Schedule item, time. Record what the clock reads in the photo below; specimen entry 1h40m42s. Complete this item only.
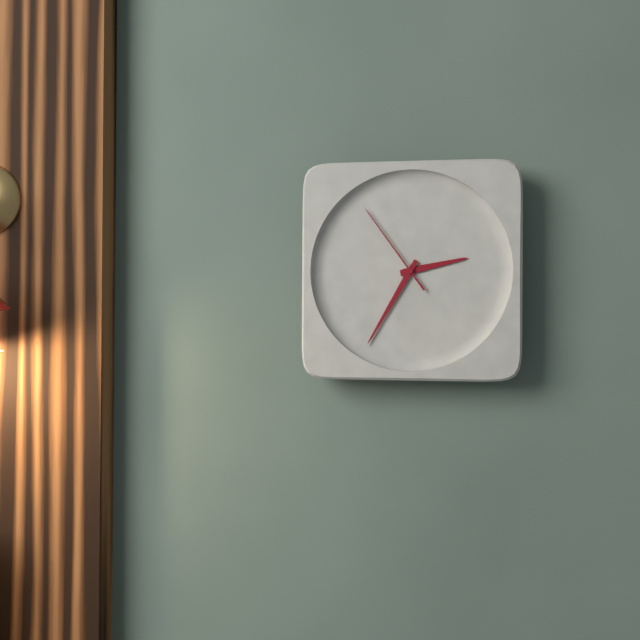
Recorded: 2h35m54s
